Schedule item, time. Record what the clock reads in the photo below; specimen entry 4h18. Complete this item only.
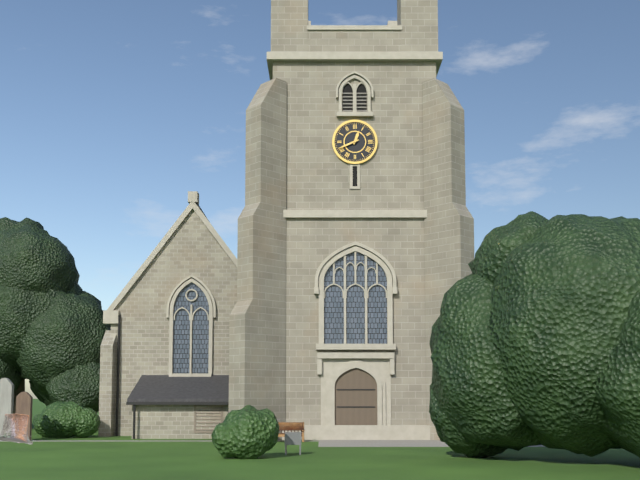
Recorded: 12h41
